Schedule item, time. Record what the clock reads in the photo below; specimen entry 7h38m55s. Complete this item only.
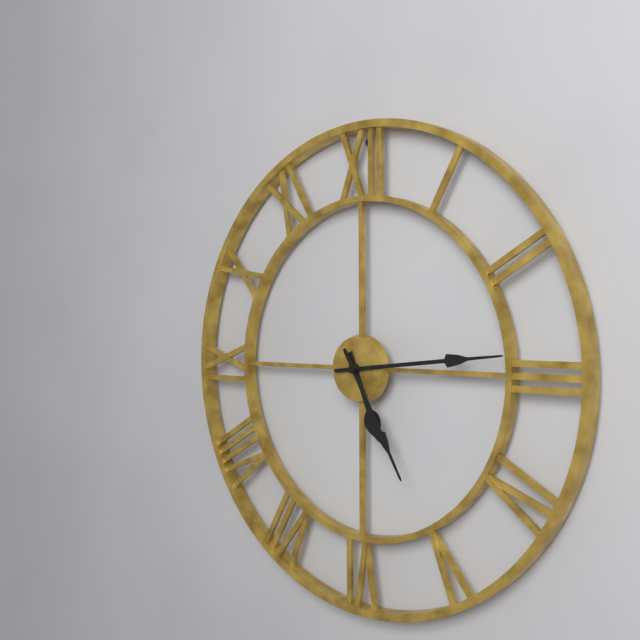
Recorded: 5h14m25s
